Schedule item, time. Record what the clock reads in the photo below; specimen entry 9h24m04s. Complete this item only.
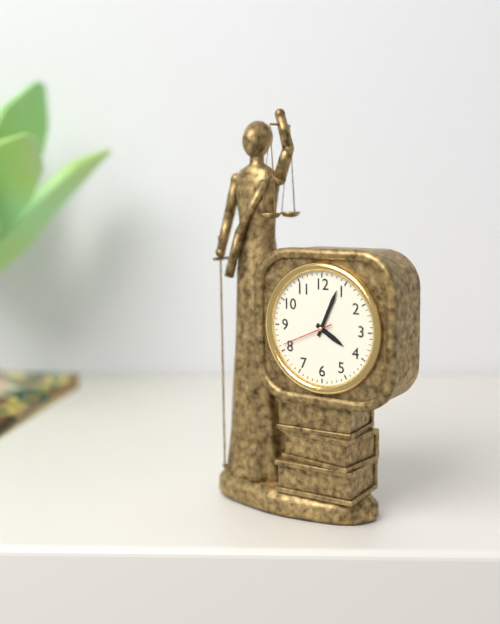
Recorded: 4h04m41s
